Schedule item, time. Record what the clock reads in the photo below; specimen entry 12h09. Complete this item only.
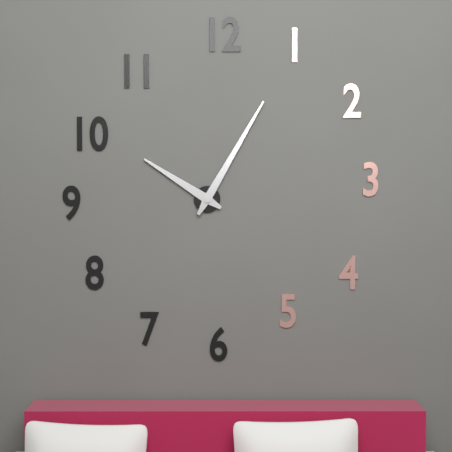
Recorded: 10h05
